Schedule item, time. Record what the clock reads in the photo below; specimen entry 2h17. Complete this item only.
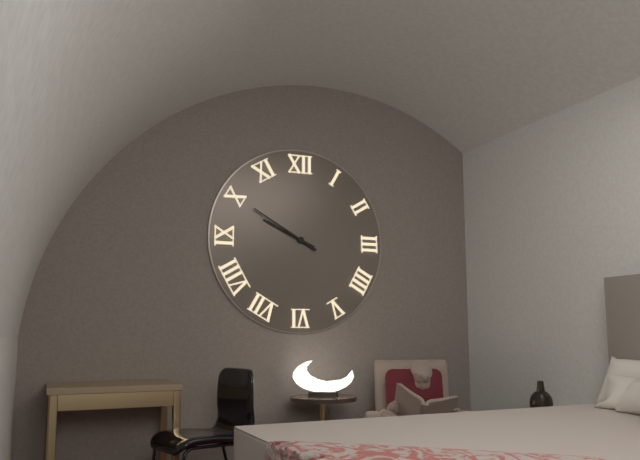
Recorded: 9h50
